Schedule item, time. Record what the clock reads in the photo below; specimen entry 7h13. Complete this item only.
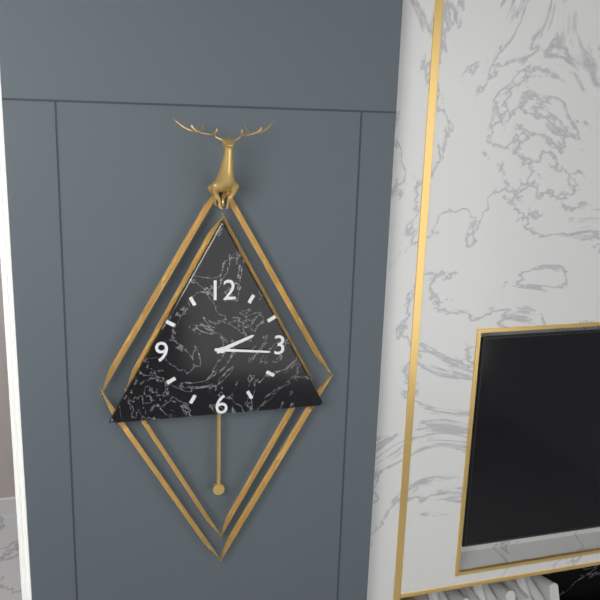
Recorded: 2h16
